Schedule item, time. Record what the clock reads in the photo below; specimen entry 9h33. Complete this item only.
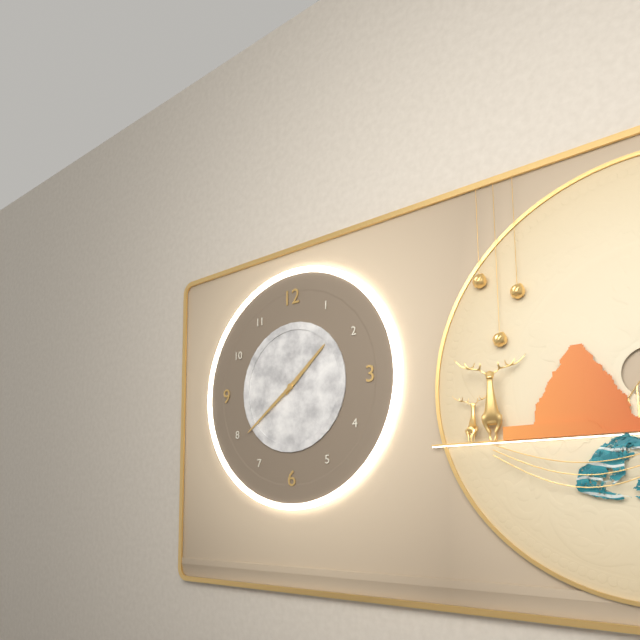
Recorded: 1h39
